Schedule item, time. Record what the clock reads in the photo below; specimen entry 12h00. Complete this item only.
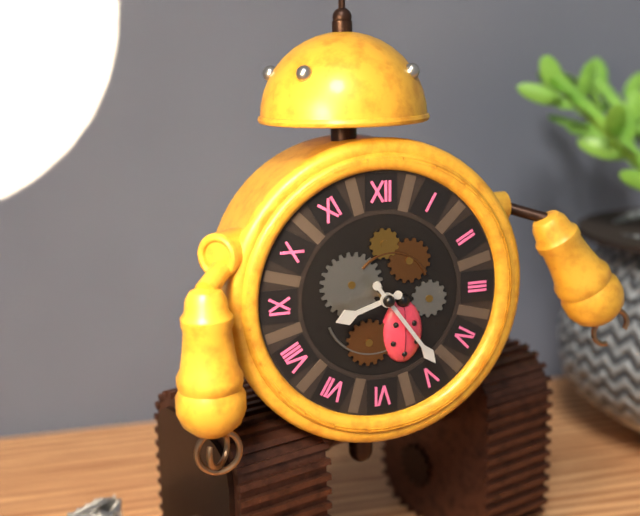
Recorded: 8h24
